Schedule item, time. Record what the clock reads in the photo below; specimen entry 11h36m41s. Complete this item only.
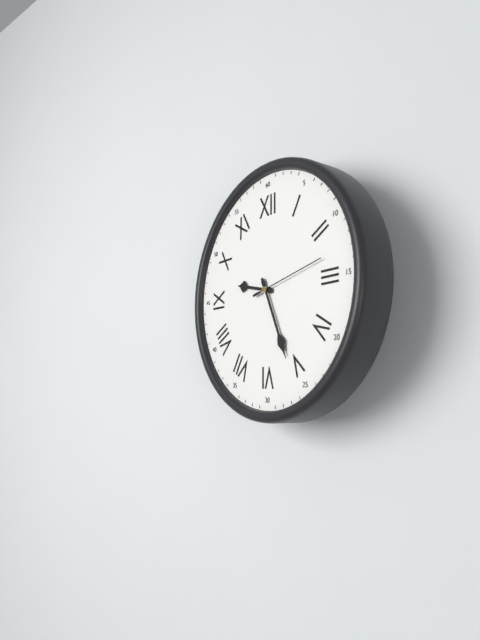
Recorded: 9h26m13s
